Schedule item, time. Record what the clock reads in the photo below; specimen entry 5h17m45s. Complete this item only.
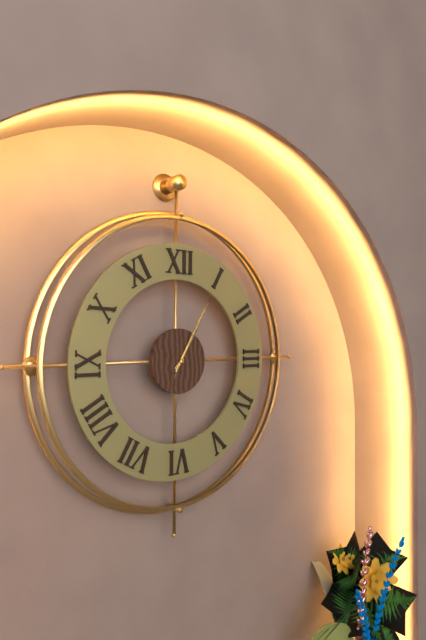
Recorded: 1h05m05s
